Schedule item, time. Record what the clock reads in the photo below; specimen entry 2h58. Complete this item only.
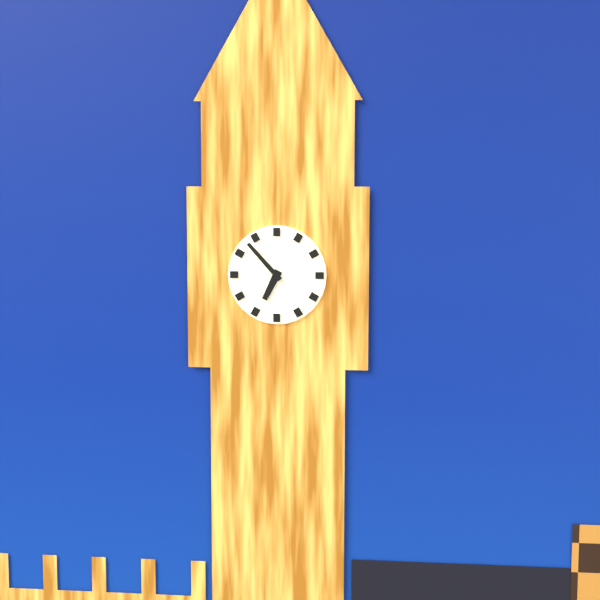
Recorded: 6h53
